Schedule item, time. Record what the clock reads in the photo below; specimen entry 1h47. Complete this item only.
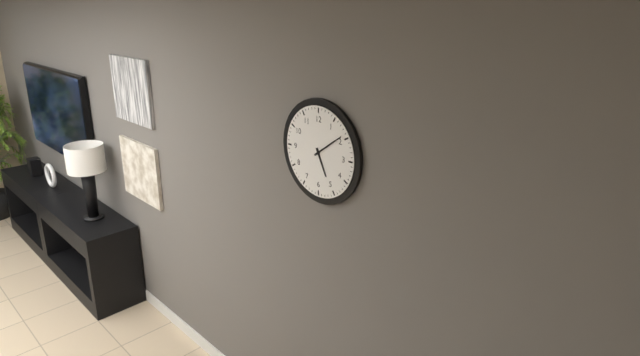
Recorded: 5h09
